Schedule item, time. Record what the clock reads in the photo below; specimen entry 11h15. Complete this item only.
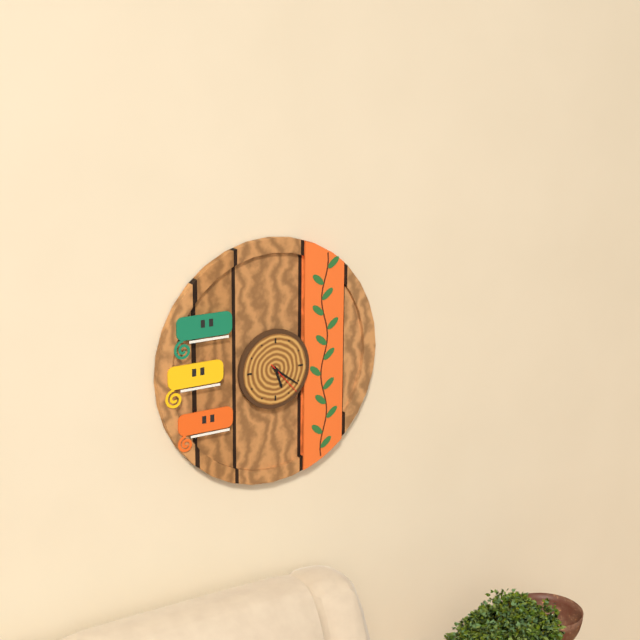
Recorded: 5h21
